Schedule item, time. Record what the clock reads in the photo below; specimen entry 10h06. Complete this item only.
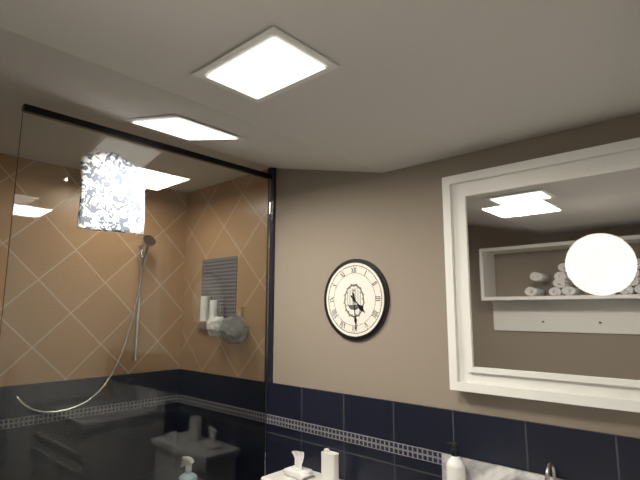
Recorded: 4h29
